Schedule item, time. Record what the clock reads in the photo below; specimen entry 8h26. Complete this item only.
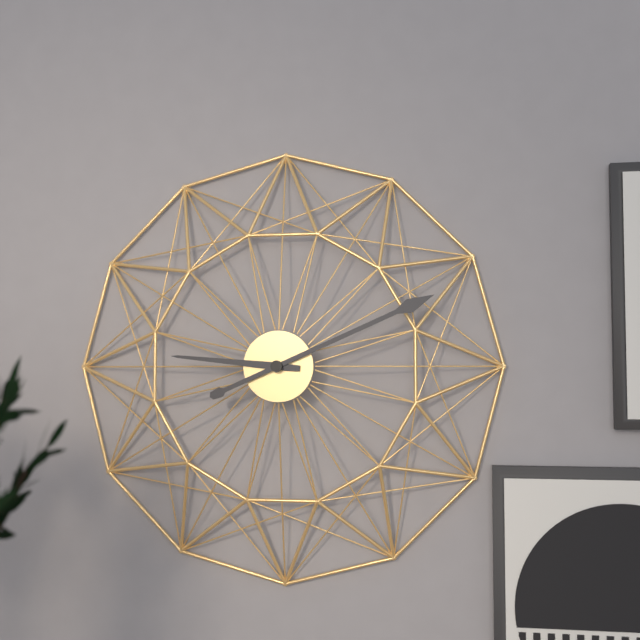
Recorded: 9h11
